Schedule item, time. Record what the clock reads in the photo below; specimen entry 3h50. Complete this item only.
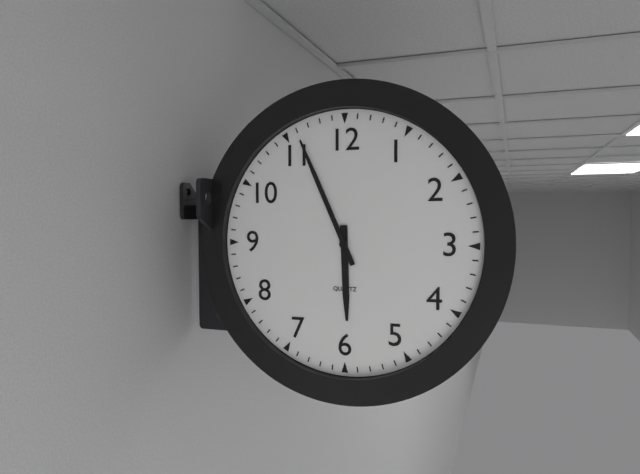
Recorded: 5h56
